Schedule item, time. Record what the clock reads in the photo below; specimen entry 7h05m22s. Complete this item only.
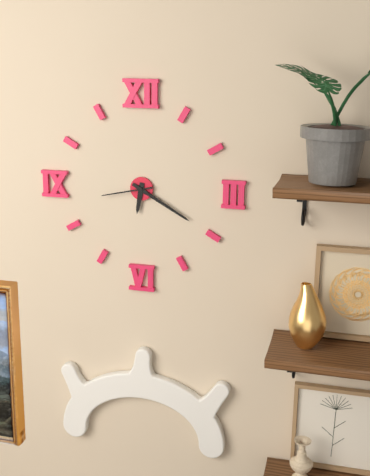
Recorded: 6h20m43s
